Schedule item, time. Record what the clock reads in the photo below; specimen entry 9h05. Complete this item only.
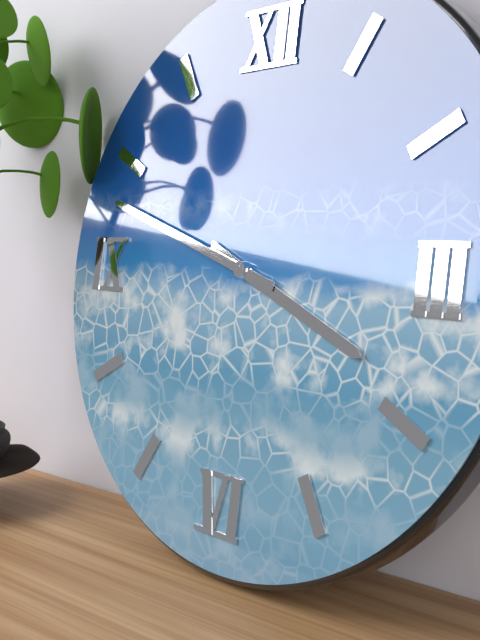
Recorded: 3h48
